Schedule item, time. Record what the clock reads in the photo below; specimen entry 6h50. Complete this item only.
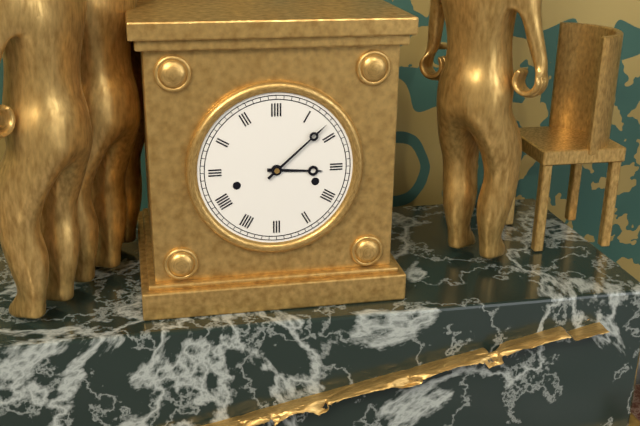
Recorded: 3h08
